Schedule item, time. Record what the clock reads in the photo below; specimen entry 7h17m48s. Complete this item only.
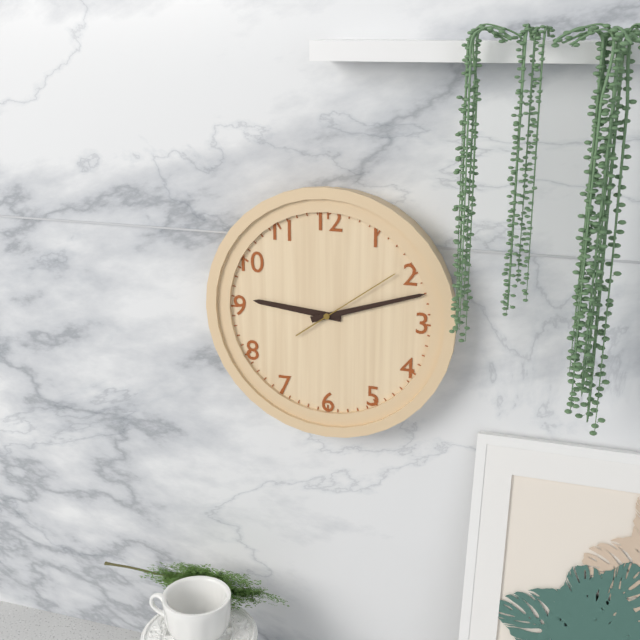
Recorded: 9h12m09s
